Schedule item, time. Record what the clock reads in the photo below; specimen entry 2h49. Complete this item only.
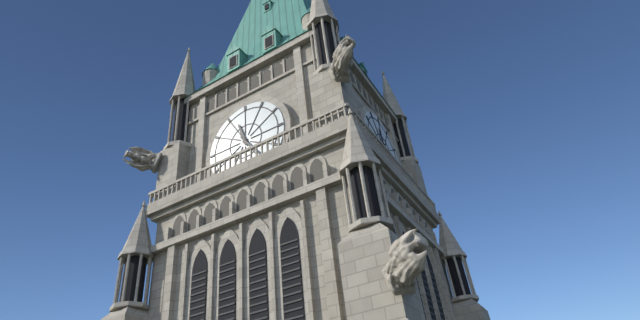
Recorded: 11h24
